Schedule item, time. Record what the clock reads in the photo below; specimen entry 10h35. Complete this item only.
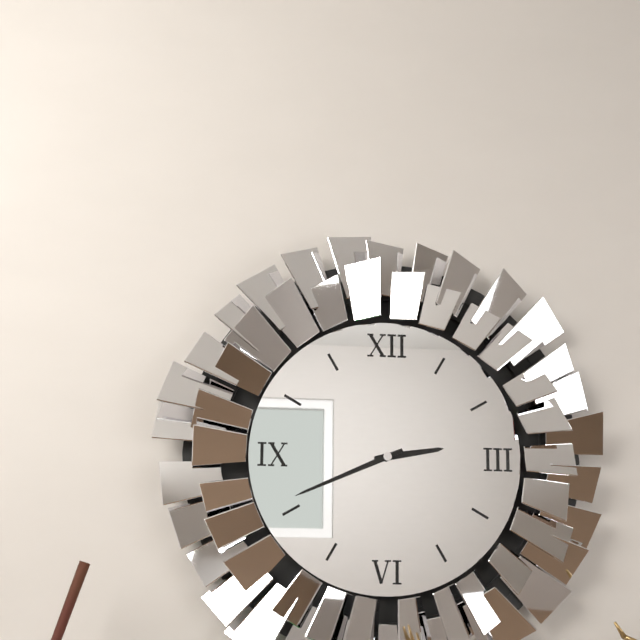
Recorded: 2h41
